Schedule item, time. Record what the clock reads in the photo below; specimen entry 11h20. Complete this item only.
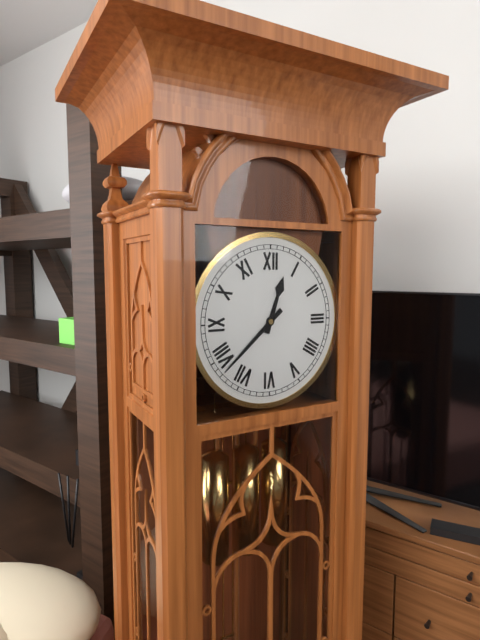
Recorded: 12h38
